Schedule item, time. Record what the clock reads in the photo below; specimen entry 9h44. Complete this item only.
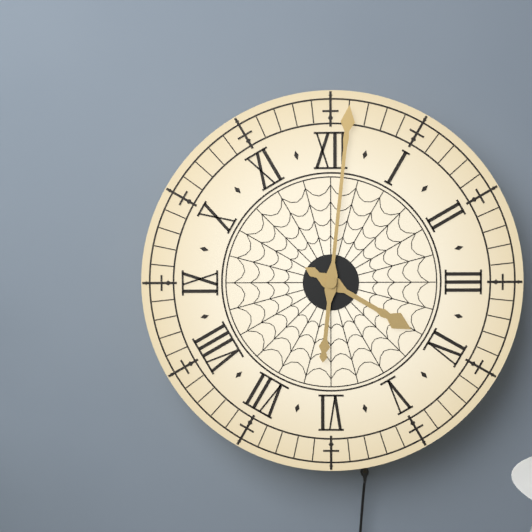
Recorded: 4h01
